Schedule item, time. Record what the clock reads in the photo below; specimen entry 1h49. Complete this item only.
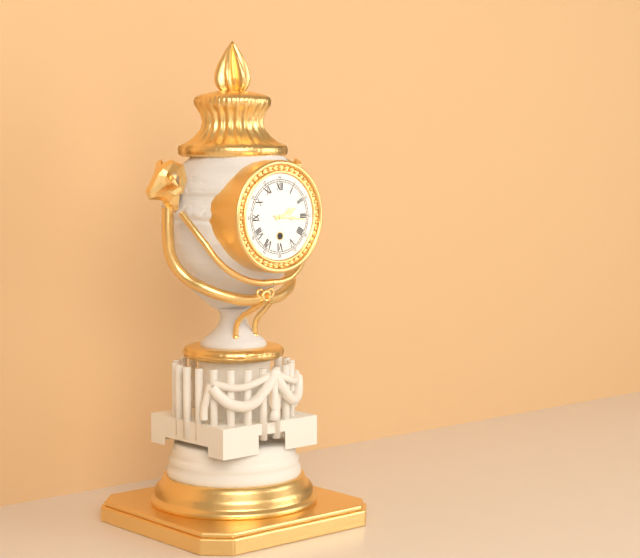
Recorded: 2h16
